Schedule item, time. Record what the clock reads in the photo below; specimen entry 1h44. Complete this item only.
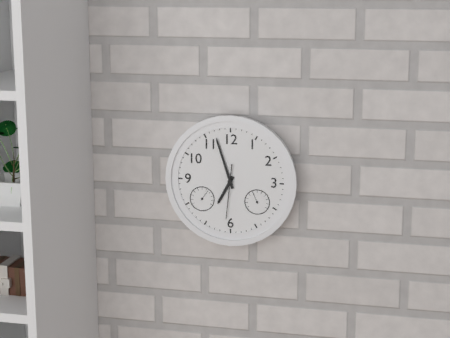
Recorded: 6h57
